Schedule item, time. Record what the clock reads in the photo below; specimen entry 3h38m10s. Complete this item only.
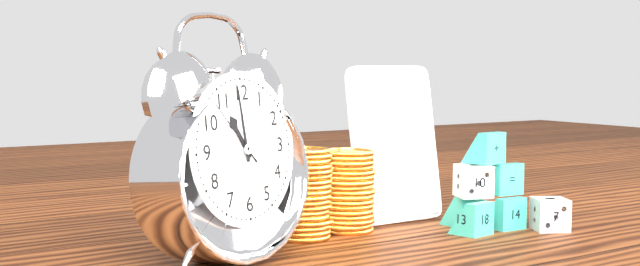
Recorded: 10h59m53s
